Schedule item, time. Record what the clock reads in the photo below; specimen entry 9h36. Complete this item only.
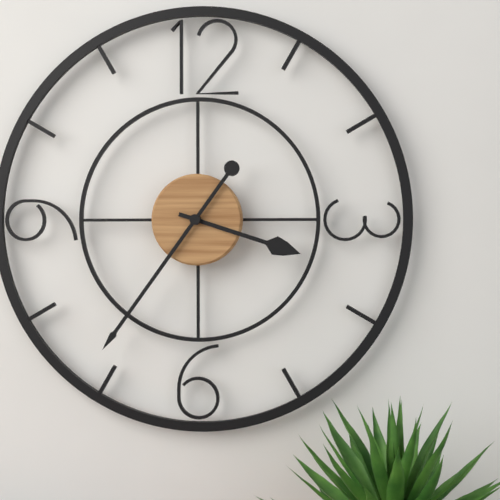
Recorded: 3h36
